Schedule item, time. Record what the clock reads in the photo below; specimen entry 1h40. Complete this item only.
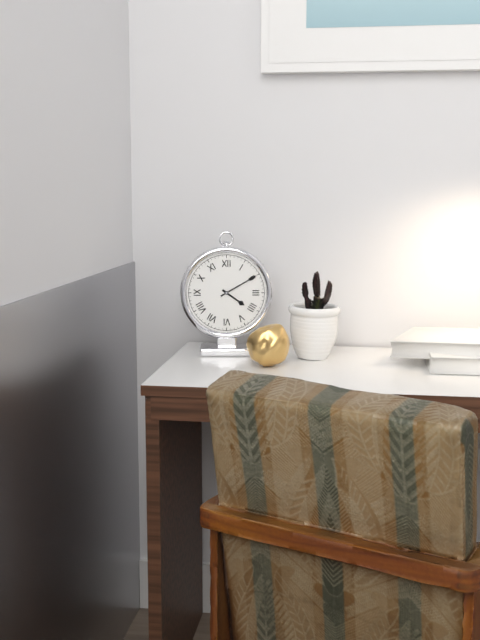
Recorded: 4h10
